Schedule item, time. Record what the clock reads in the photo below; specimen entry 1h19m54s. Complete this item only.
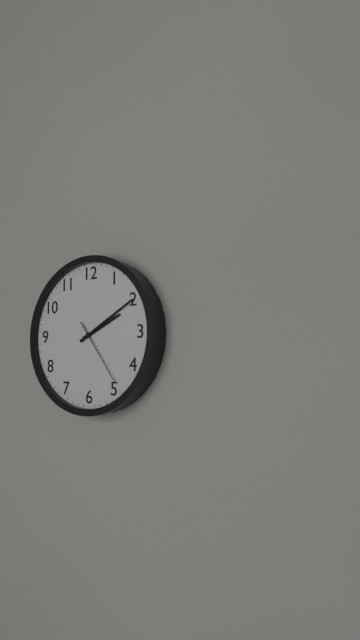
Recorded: 2h10m24s
